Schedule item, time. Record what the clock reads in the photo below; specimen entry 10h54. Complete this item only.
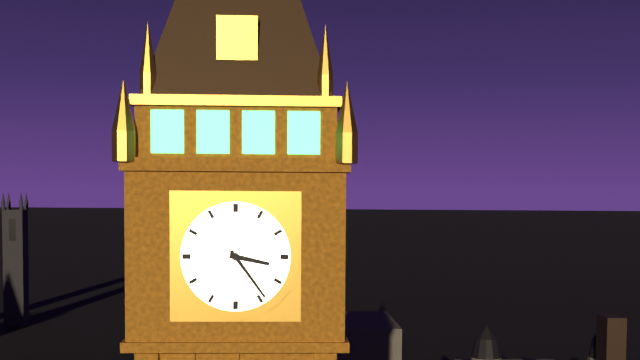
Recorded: 3h24
